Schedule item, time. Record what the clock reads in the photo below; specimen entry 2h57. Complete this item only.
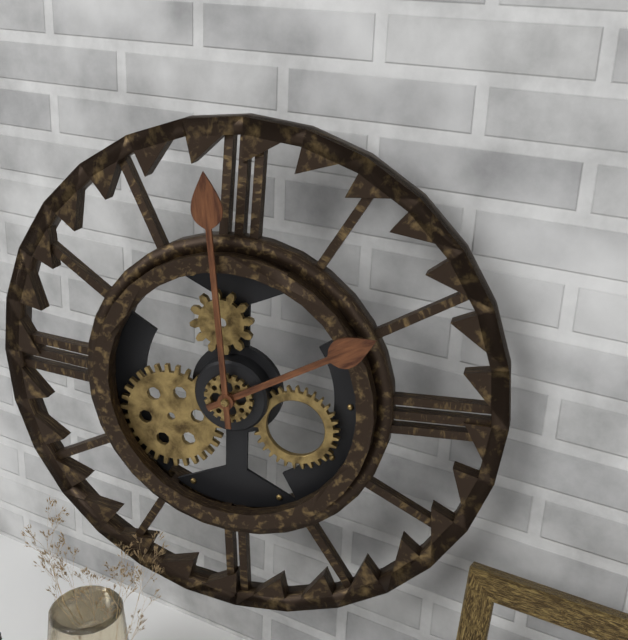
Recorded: 1h59
